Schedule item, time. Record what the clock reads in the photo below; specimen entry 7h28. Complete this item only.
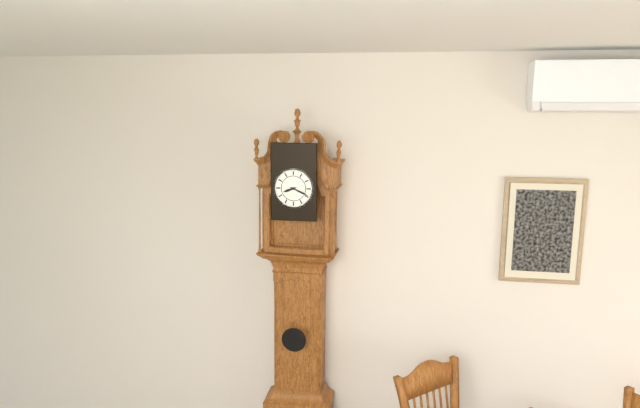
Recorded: 8h19
